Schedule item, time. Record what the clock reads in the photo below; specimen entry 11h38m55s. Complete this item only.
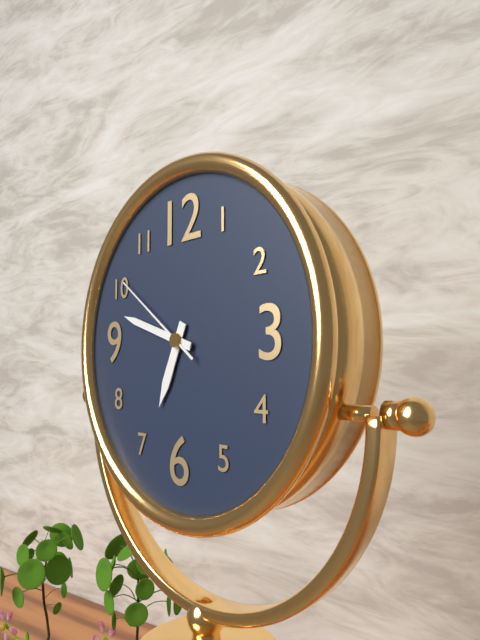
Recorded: 6h48m51s
